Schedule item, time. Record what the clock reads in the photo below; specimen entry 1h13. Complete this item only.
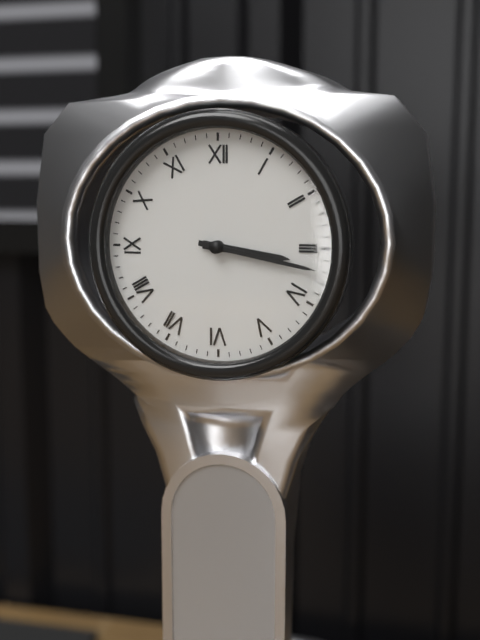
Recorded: 3h17
